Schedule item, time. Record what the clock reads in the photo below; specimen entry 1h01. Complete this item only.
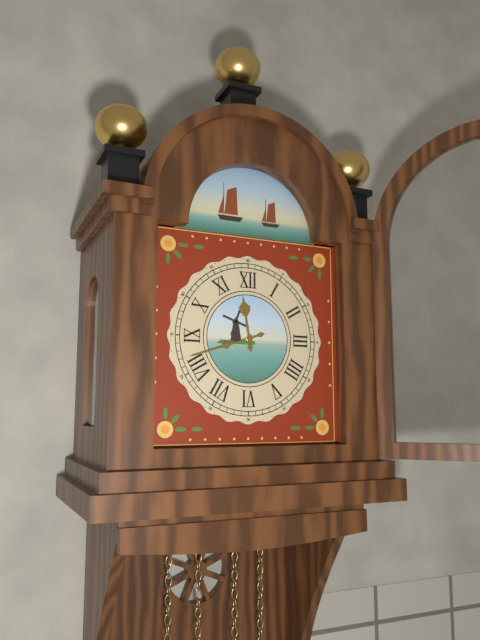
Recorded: 11h42
